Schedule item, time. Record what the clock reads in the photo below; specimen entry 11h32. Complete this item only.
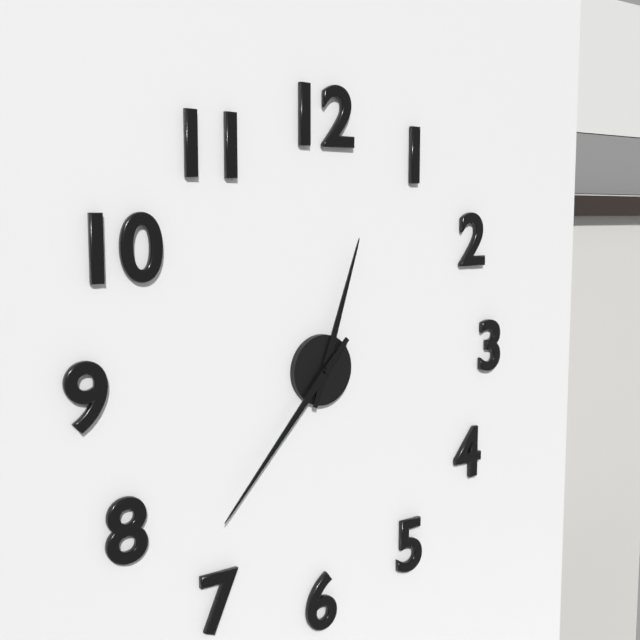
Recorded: 12h37
